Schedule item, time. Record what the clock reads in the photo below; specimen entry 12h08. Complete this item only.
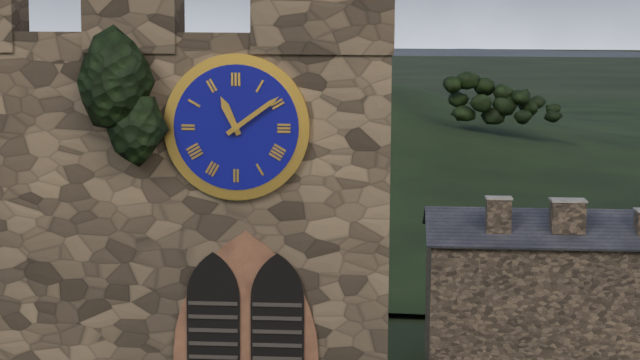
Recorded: 11h09
